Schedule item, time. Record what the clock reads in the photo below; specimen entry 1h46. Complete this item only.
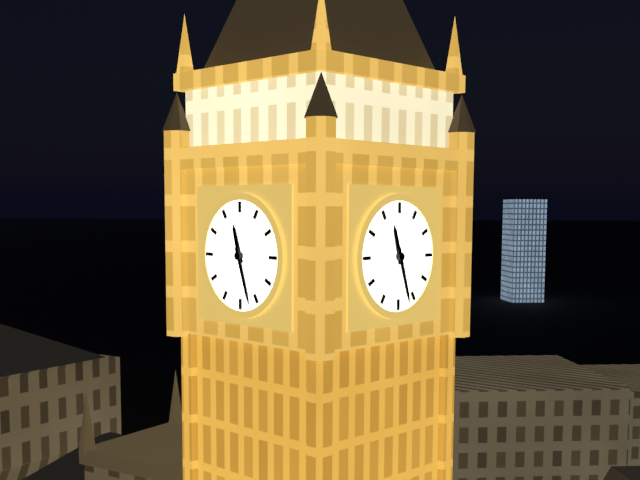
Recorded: 11h27
